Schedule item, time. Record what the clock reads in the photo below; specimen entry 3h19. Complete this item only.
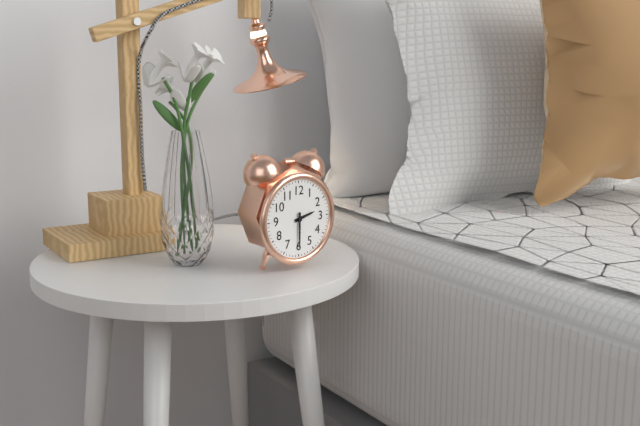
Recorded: 2h30
